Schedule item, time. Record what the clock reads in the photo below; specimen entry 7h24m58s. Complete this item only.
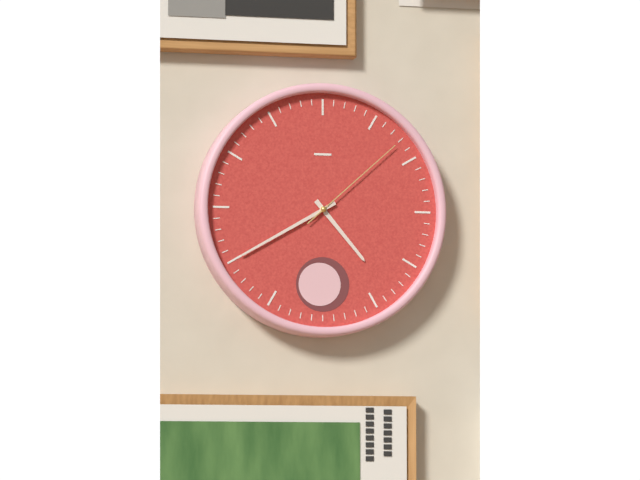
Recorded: 4h40m08s
